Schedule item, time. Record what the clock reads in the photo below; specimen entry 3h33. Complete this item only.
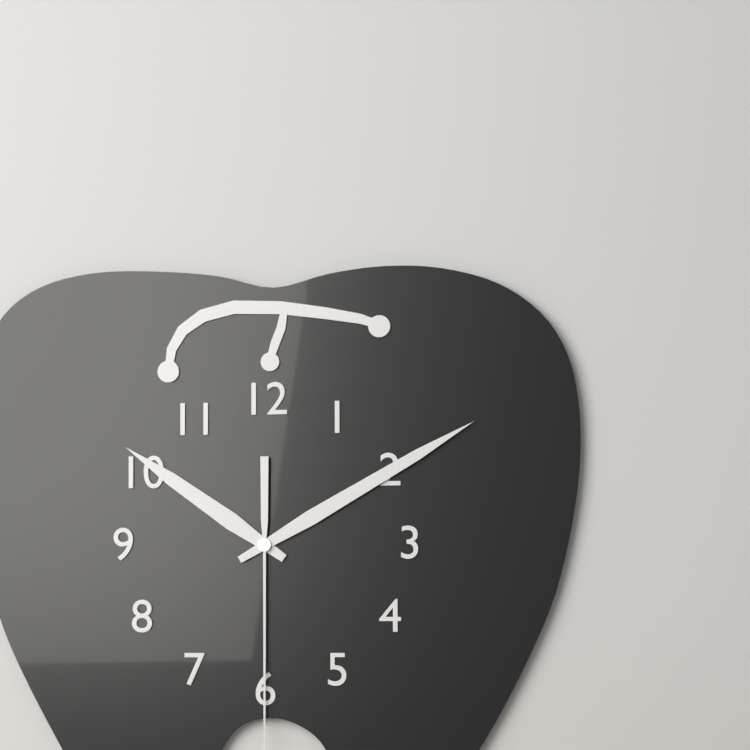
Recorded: 10h10
